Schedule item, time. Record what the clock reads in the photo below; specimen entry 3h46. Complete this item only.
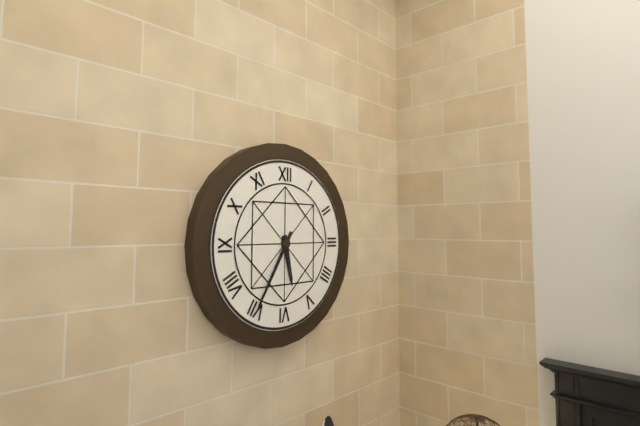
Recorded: 5h35
